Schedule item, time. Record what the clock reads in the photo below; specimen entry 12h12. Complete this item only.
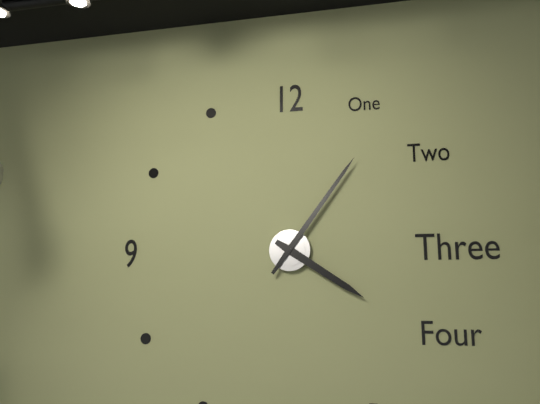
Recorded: 4h06
